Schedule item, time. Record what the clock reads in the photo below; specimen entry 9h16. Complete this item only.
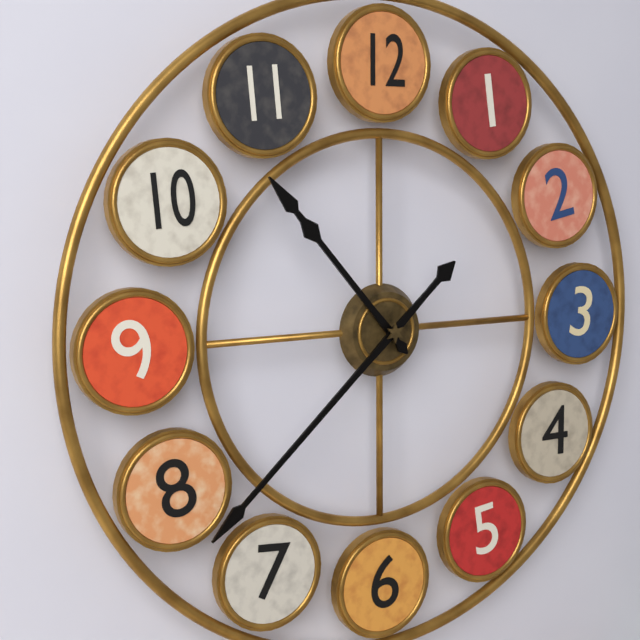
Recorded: 10h38
